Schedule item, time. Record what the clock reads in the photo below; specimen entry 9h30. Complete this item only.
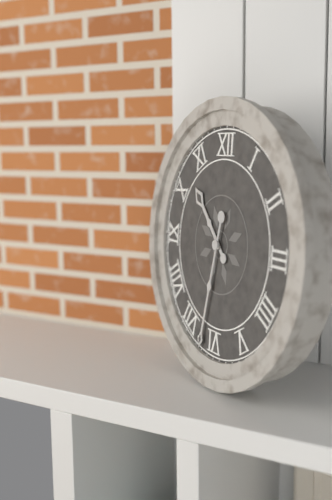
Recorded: 10h32
